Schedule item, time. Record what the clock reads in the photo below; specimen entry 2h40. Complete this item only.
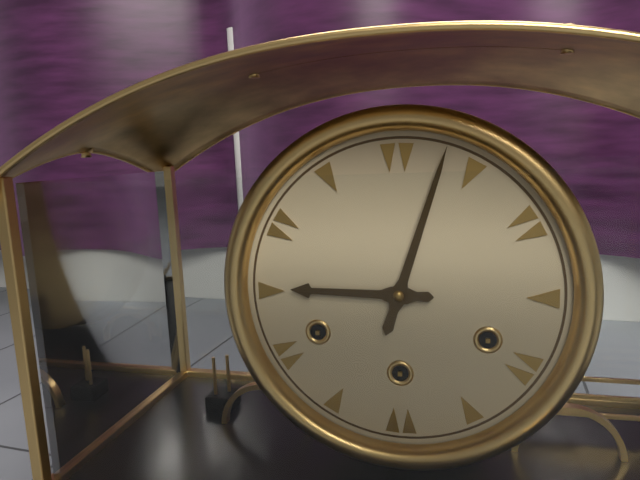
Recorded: 9h03
